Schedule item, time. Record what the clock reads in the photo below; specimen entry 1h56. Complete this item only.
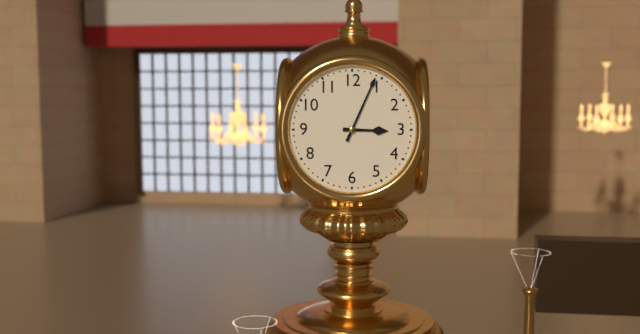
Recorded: 3h04
